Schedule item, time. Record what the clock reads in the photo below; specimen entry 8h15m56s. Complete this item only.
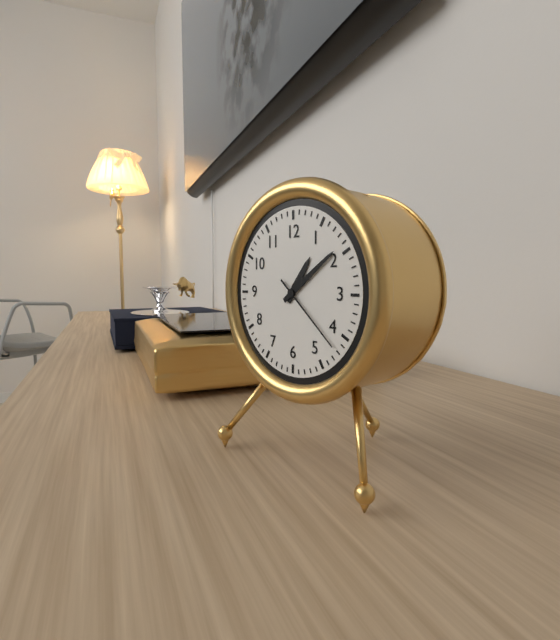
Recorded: 1h09m22s
